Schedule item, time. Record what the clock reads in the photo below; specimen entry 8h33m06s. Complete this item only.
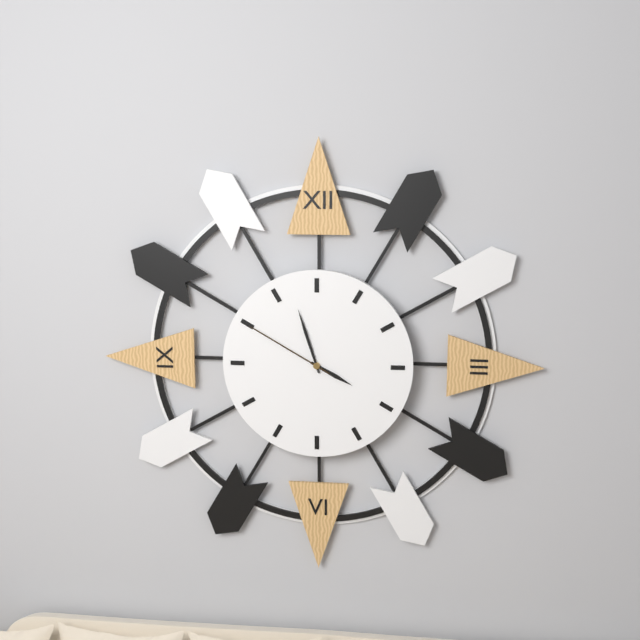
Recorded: 3h57m50s
